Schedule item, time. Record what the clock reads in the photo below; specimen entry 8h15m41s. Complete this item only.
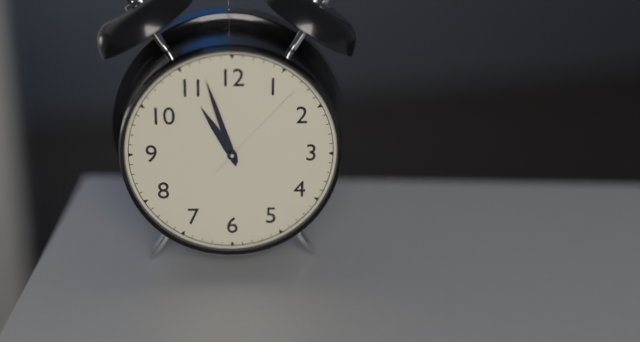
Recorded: 10h57m07s
